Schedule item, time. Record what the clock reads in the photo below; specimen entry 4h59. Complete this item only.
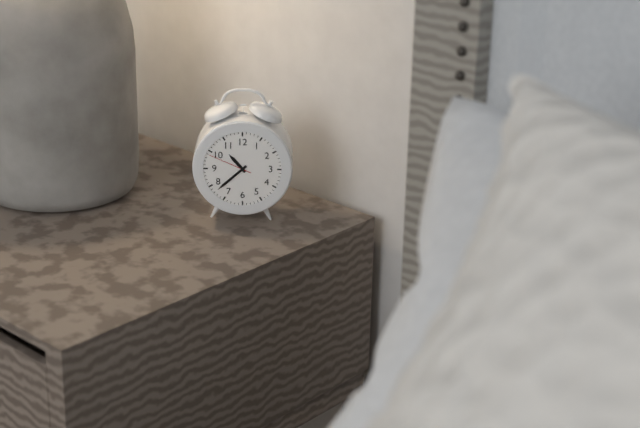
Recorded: 10h38
